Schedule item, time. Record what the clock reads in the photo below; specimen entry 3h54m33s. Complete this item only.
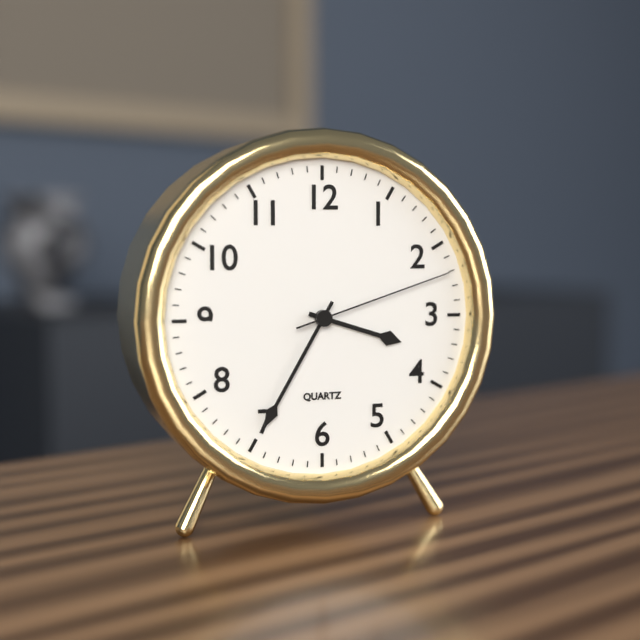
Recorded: 3h35m12s
